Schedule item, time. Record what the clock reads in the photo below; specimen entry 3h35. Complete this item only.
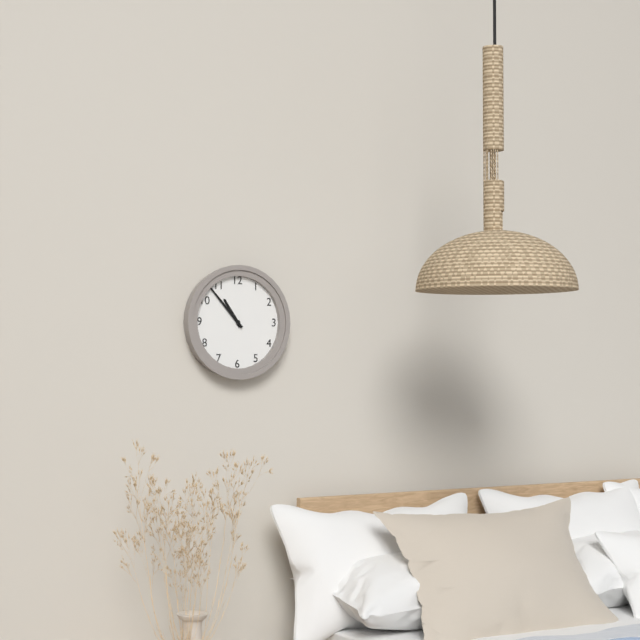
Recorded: 10h53
